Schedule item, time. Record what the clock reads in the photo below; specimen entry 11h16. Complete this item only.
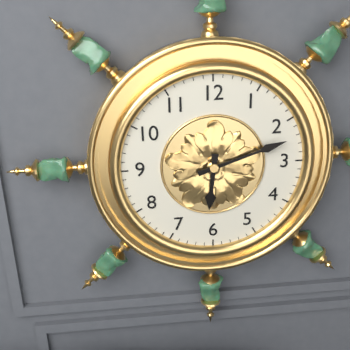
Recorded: 6h12
